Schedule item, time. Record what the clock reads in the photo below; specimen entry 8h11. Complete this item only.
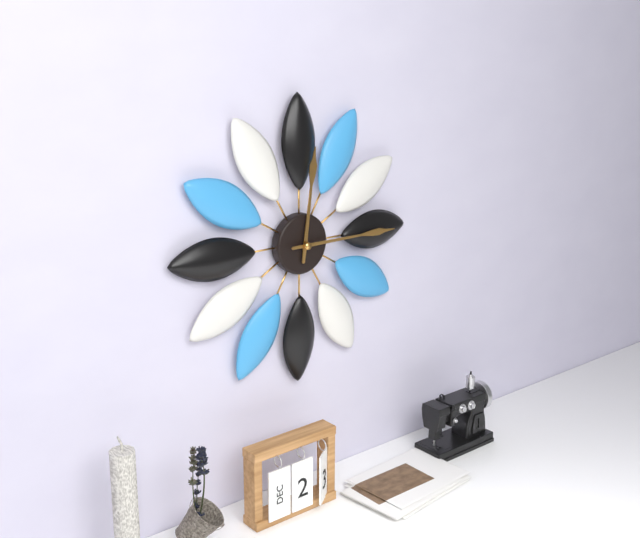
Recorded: 12h15
